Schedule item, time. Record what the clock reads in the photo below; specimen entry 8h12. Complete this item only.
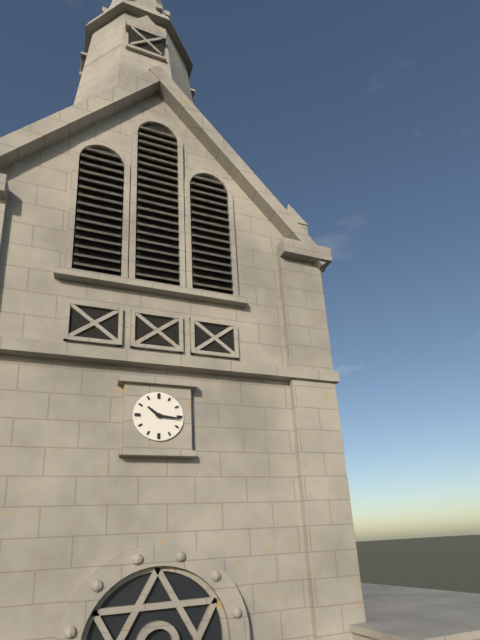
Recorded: 10h16
